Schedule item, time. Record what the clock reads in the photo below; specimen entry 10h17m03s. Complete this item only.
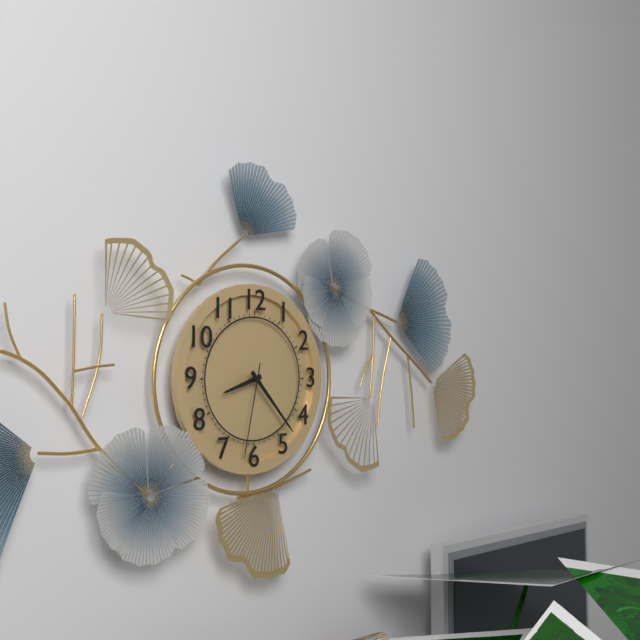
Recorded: 8h23m32s
